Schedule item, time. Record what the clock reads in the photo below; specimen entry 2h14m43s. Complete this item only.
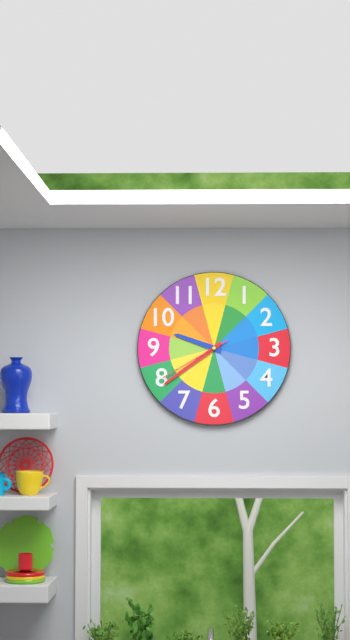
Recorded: 9h39m40s
